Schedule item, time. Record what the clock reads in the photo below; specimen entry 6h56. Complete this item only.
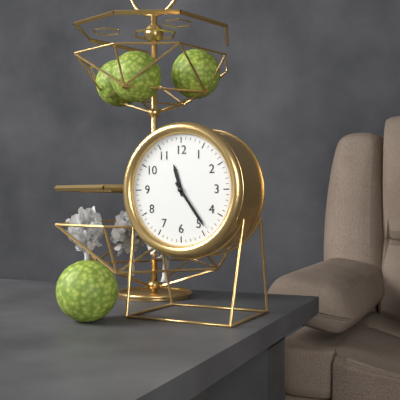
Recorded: 11h24
